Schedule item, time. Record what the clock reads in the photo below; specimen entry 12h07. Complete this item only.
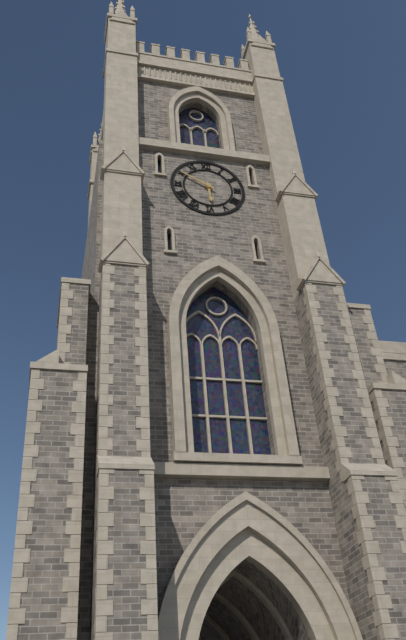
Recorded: 5h50
